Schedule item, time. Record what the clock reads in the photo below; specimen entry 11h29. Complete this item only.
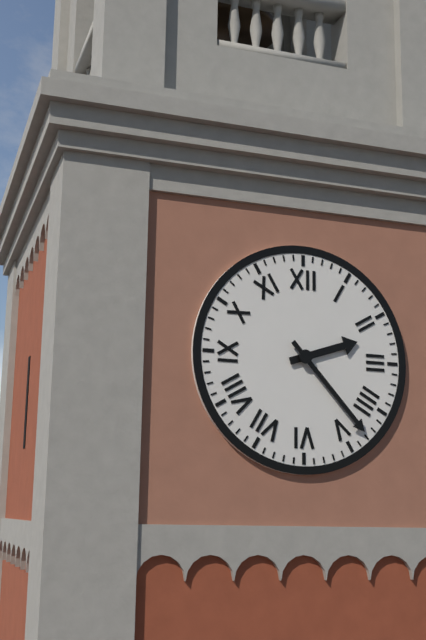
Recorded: 2h23
